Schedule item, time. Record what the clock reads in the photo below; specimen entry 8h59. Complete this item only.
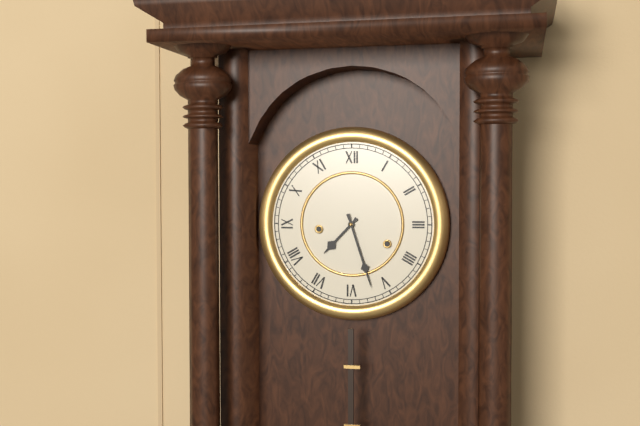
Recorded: 7h27
